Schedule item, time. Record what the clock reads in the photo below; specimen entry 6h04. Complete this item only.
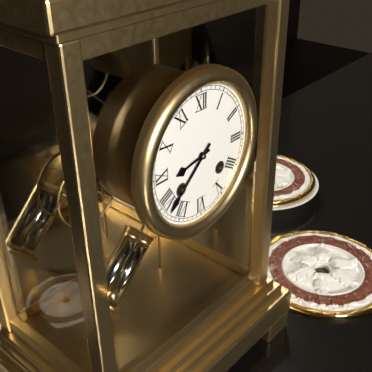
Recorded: 8h38
